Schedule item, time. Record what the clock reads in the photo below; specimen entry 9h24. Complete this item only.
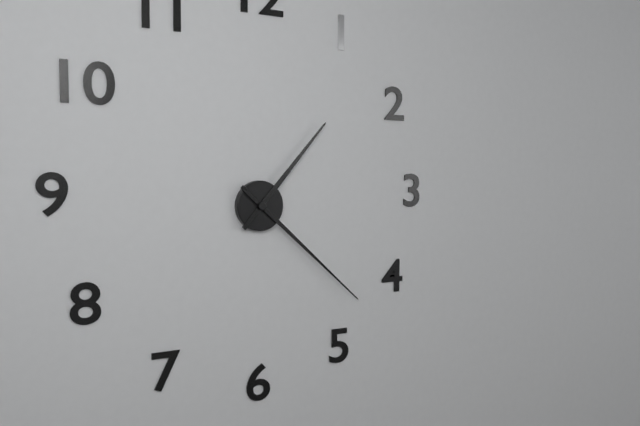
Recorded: 1h22
